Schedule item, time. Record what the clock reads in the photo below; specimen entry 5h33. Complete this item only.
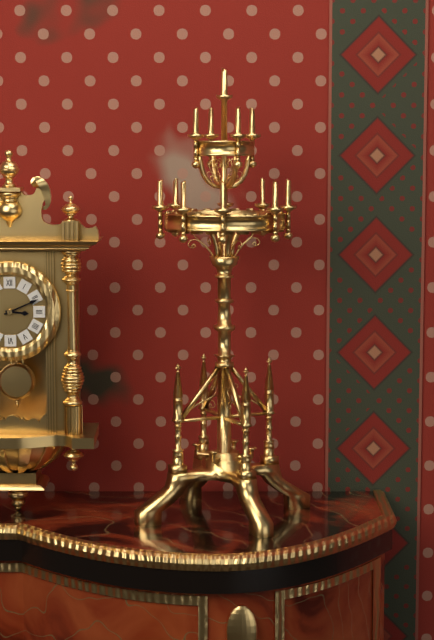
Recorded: 3h11
